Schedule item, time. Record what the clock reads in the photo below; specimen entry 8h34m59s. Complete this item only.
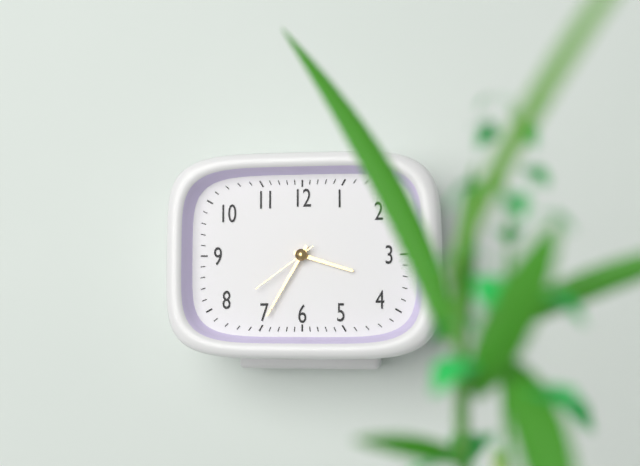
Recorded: 3h35m39s
